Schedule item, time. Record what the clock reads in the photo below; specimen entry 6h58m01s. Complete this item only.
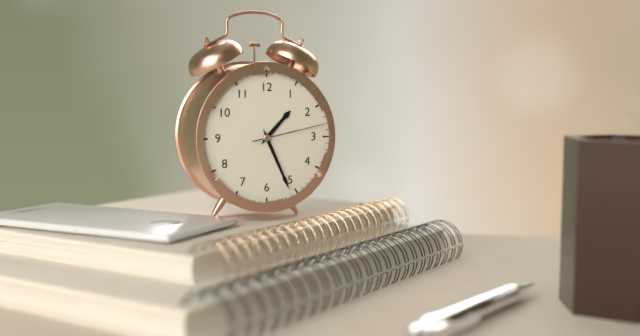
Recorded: 1h26m13s
